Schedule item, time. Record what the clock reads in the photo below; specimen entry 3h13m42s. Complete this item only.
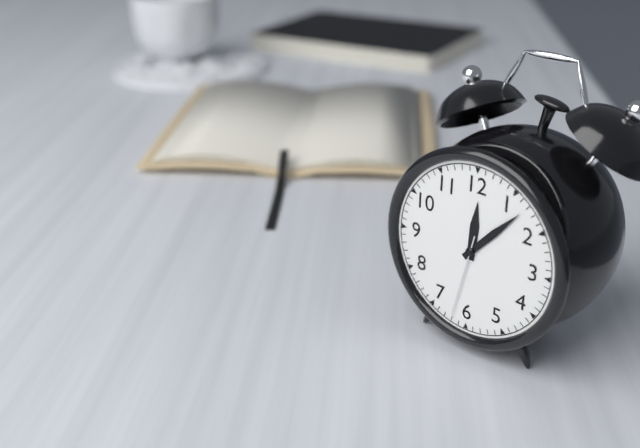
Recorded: 12h07m32s
